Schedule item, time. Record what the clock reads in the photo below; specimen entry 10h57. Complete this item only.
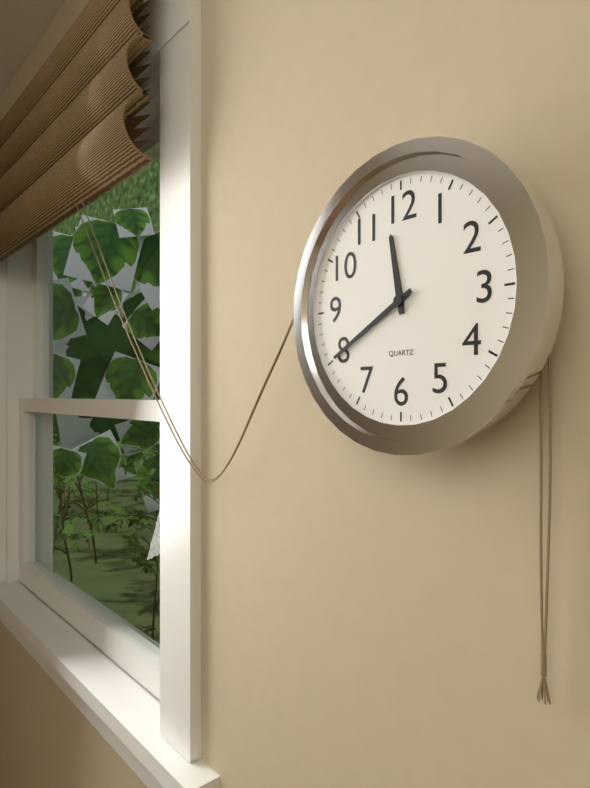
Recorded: 11h40
